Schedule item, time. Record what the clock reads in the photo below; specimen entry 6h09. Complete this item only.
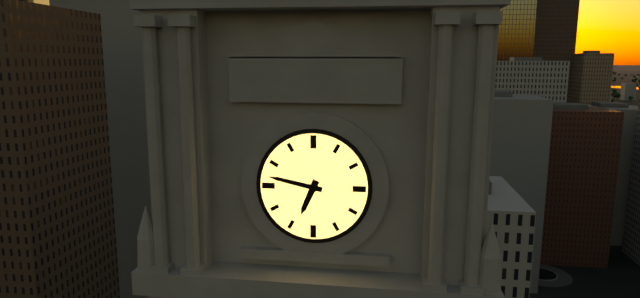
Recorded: 6h47
